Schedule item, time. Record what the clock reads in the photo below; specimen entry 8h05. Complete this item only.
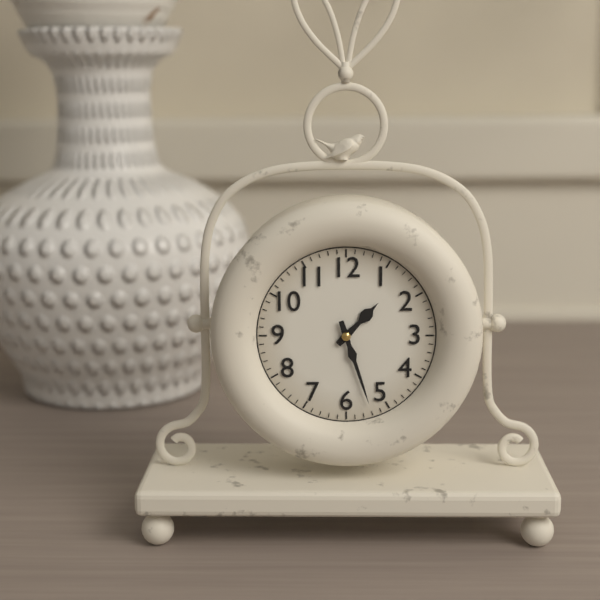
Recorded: 1h27
